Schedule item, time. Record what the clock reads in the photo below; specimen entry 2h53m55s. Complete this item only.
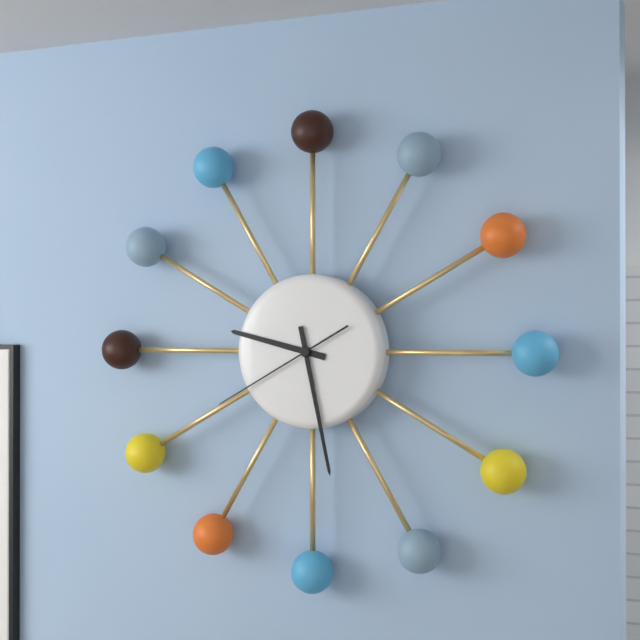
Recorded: 9h28m40s
